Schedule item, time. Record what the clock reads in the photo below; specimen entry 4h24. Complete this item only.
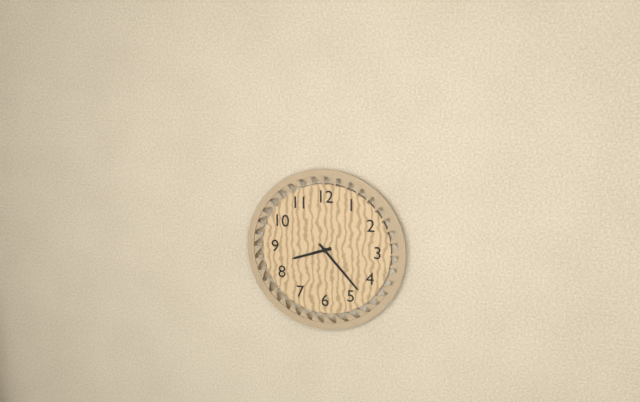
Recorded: 8h23
